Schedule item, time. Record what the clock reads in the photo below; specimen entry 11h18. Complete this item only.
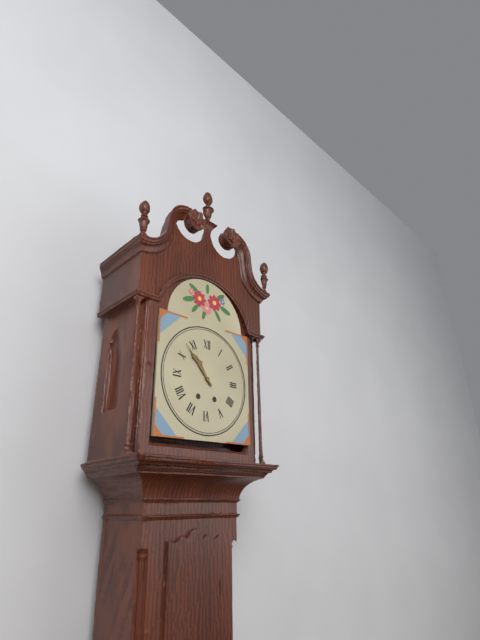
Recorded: 10h53
